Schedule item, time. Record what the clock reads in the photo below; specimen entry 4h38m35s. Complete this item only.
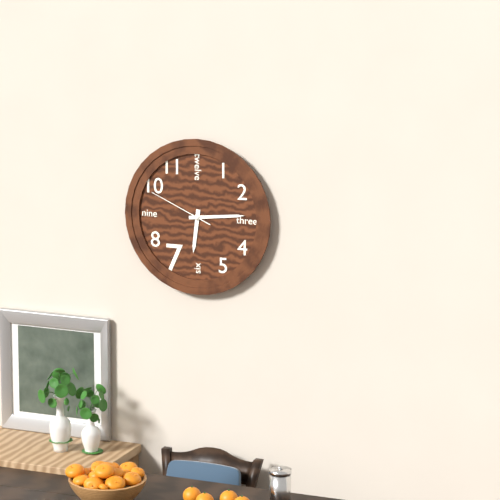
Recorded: 6h14m49s
